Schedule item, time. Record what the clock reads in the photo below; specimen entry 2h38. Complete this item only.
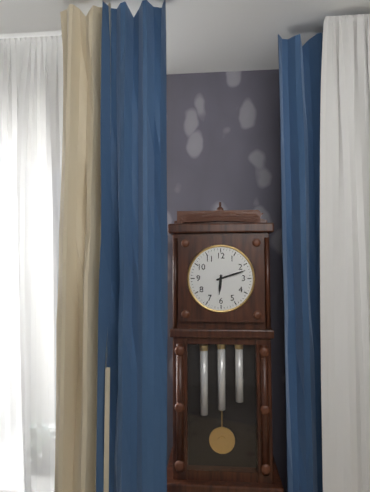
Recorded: 6h12
